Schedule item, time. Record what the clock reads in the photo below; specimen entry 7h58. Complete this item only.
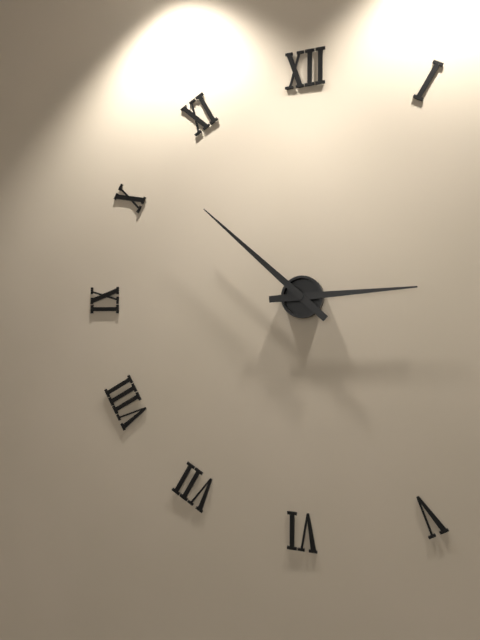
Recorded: 2h52
